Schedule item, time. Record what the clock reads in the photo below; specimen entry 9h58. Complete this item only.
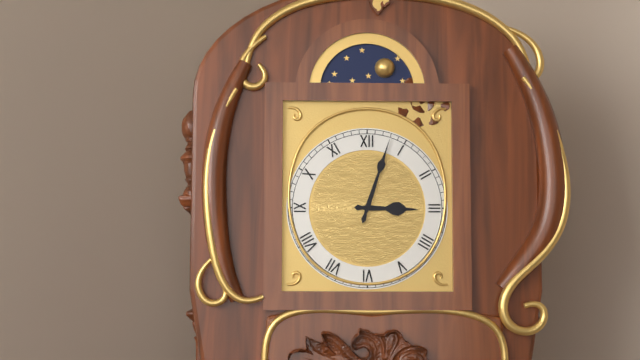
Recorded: 3h03
